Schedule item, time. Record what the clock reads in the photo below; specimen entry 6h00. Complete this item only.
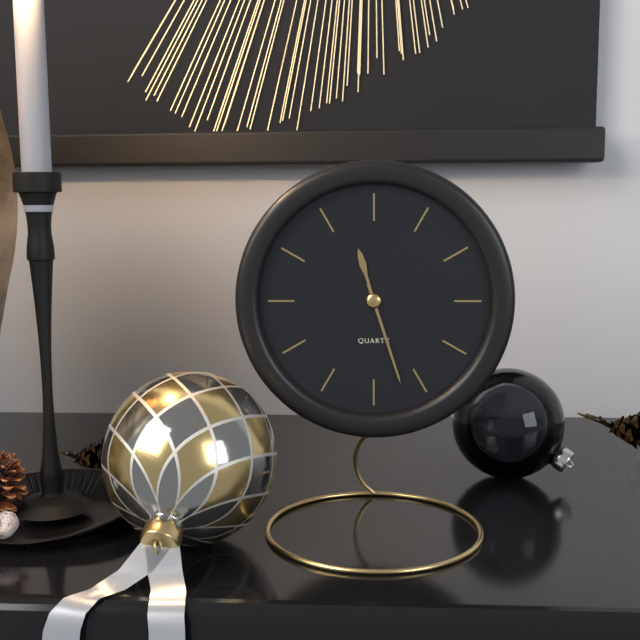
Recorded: 11h27
